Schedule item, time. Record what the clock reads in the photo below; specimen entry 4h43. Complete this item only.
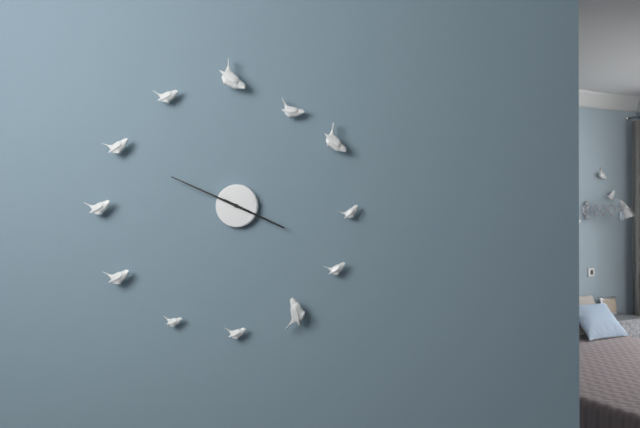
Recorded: 3h49
